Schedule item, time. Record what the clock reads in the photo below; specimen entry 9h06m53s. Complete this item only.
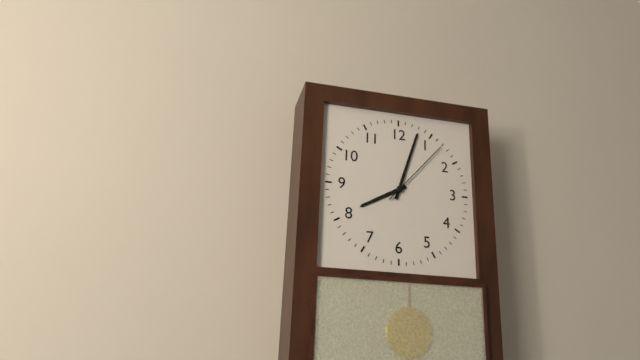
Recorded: 8h03m07s
